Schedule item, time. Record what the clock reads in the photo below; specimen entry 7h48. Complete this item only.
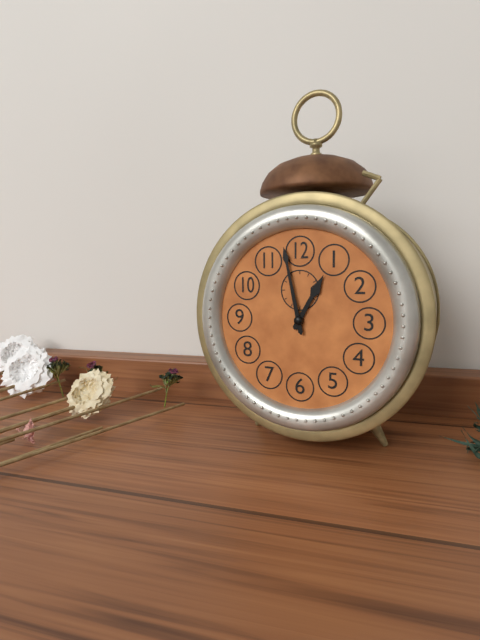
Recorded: 12h58
